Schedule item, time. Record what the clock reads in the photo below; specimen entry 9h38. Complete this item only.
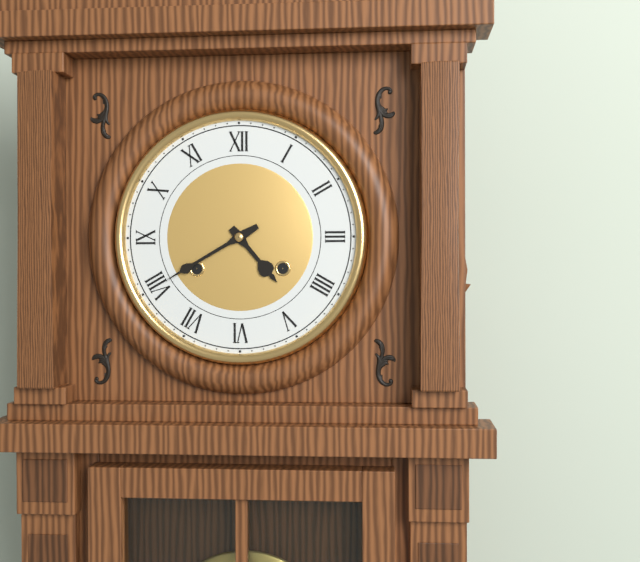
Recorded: 4h40
